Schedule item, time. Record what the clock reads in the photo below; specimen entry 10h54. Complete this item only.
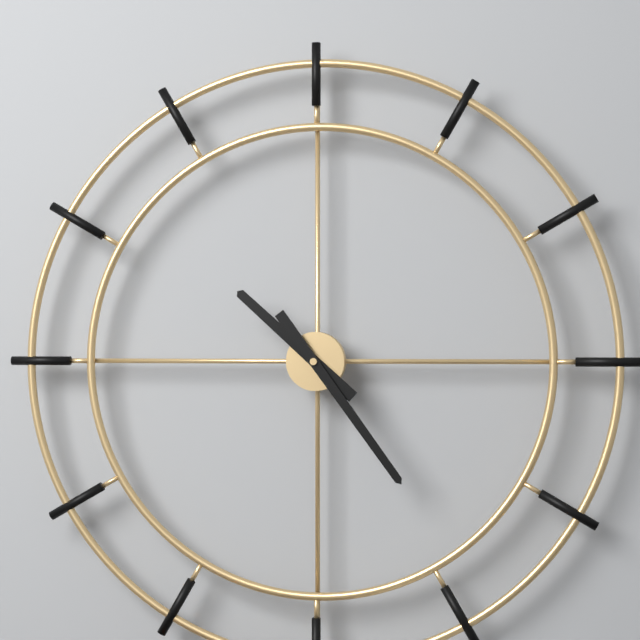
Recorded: 10h24
